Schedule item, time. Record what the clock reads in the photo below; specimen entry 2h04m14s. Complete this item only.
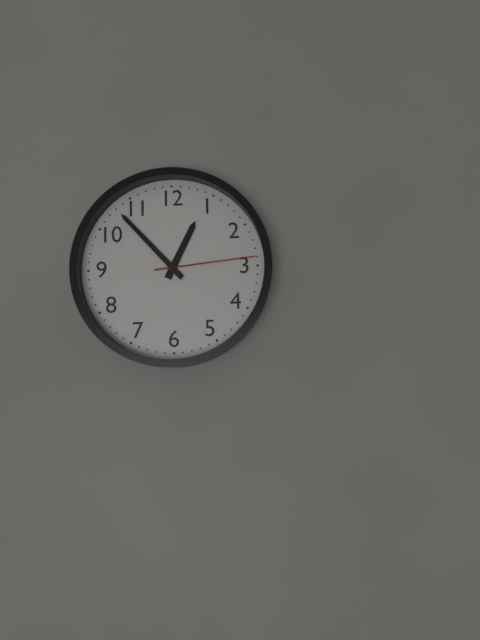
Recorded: 12h53m14s
